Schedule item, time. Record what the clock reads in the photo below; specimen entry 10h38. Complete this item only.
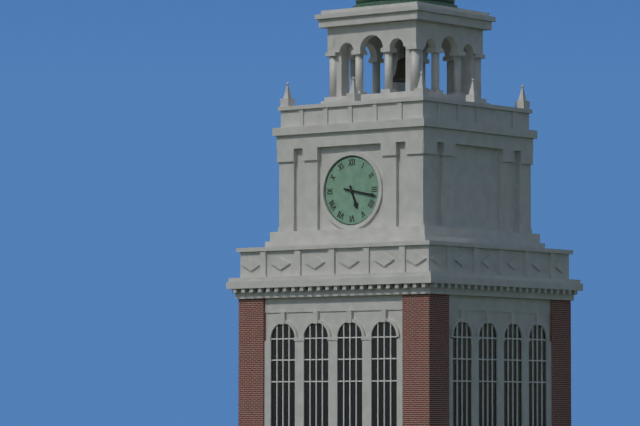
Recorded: 5h17
